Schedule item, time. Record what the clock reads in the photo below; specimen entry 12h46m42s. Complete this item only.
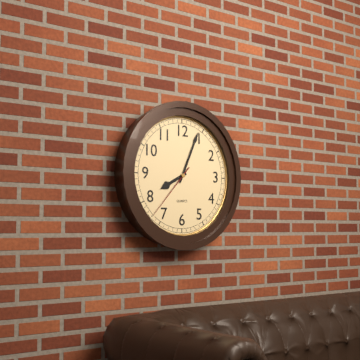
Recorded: 8h04m37s
